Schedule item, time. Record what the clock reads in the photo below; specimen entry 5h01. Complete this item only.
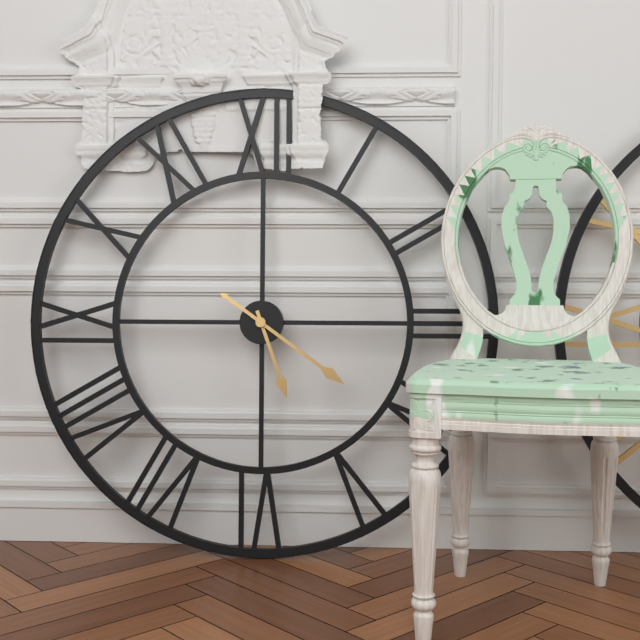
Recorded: 5h21
